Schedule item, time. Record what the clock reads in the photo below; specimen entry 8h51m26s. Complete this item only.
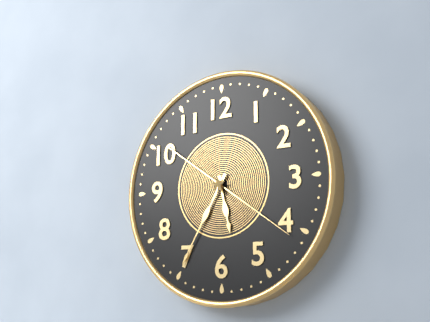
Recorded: 5h35m21s
